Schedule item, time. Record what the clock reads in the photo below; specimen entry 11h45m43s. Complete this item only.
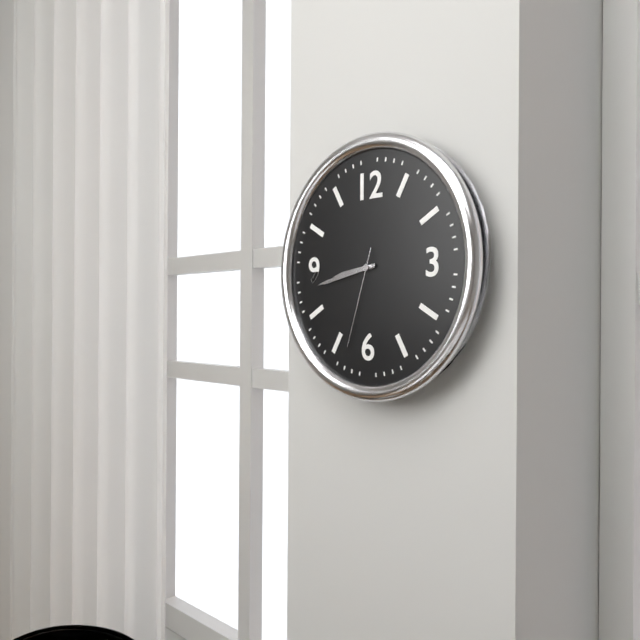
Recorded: 8h43m33s
